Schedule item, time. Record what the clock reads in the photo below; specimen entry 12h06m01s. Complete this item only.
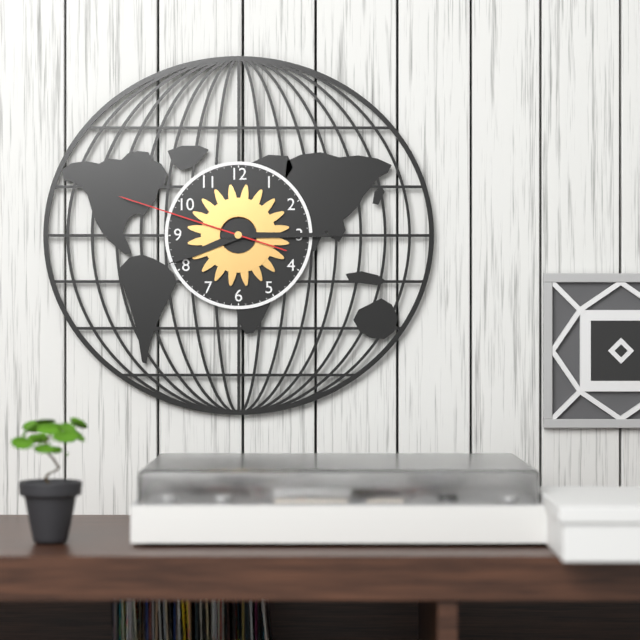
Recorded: 8h15m48s
